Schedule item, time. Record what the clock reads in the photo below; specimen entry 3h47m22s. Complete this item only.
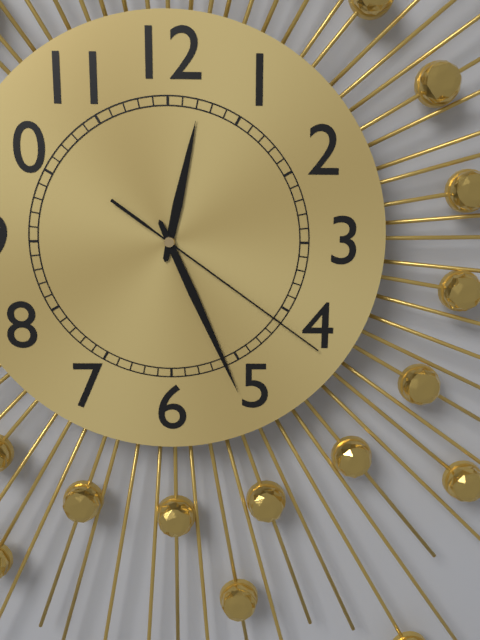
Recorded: 12h26m21s
